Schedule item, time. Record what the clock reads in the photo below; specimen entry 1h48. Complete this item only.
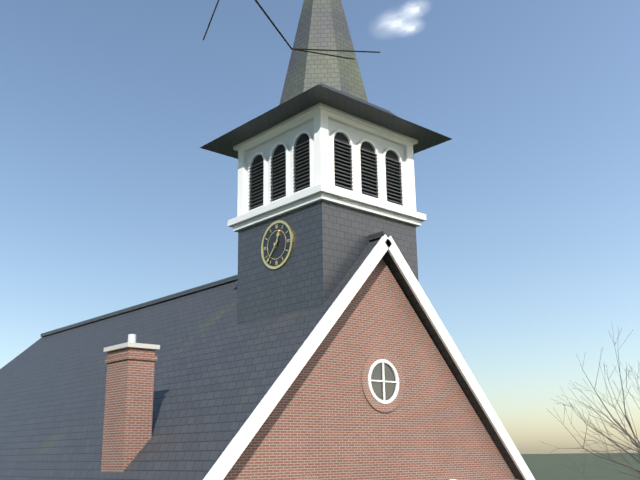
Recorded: 12h37
